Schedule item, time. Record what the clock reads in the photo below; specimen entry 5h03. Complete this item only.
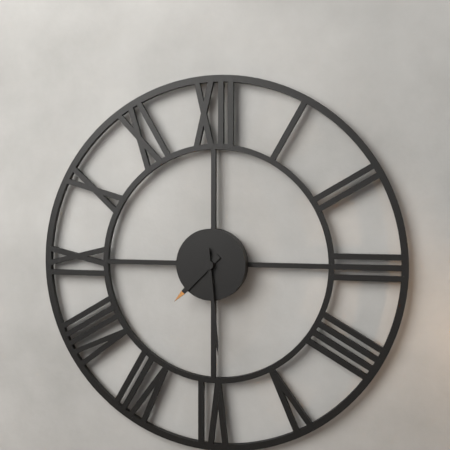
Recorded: 7h29
